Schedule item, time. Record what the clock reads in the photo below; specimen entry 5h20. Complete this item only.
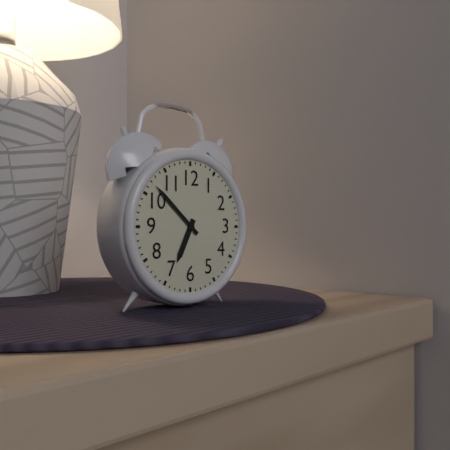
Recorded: 6h52
